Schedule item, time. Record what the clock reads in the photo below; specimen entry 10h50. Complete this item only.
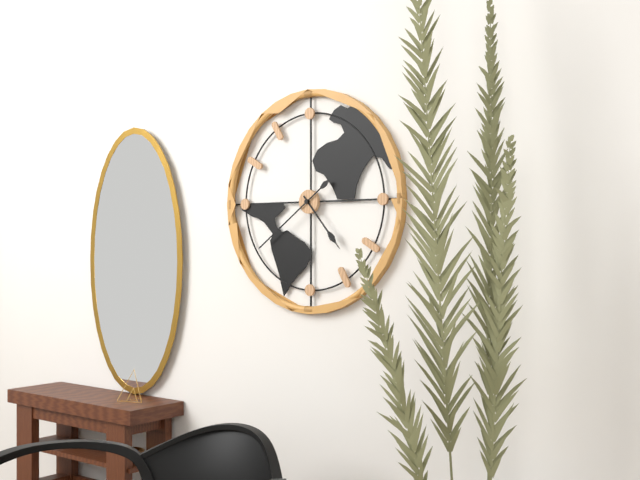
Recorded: 4h39
